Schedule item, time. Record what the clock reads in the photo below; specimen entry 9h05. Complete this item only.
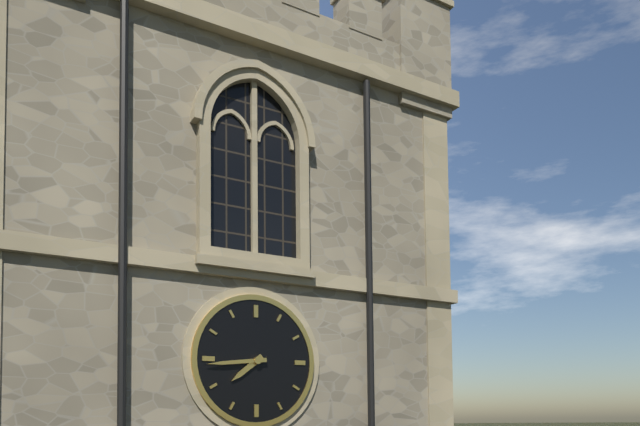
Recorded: 7h44
